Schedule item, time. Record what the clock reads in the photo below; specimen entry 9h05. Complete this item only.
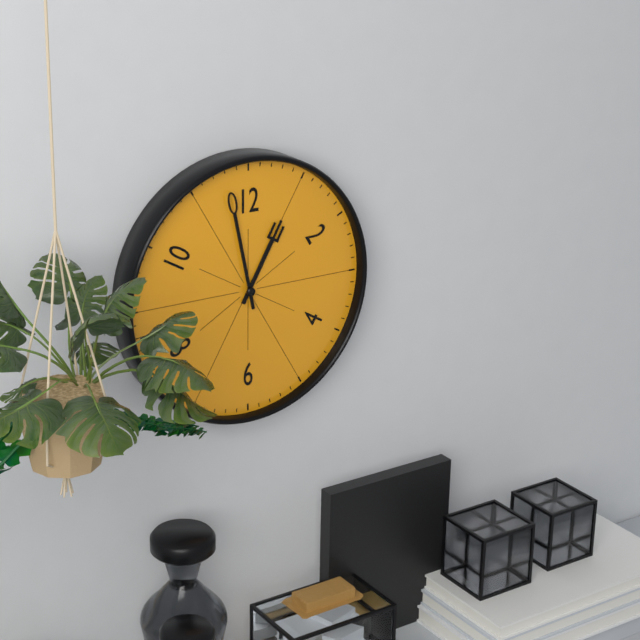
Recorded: 12h58
